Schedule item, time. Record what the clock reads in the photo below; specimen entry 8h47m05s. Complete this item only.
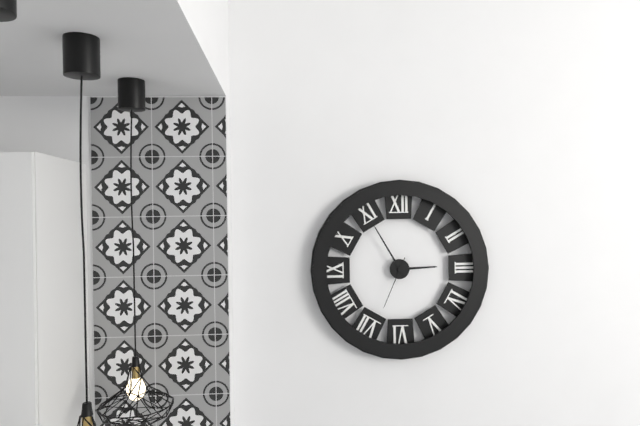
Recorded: 2h55m34s
